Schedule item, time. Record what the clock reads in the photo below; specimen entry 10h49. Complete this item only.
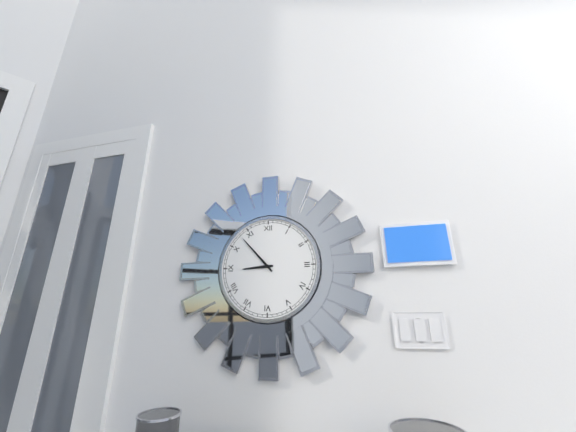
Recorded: 8h53
